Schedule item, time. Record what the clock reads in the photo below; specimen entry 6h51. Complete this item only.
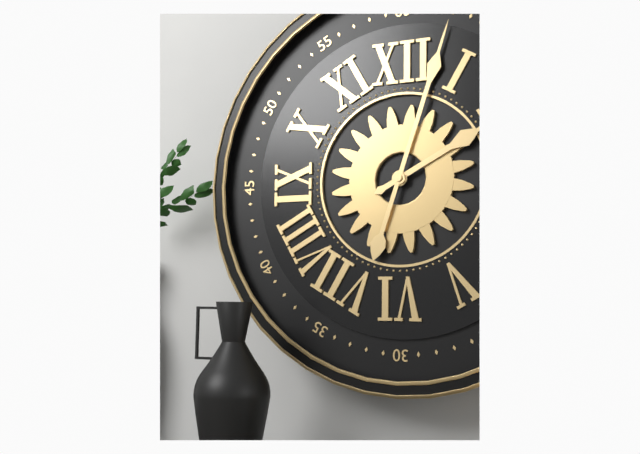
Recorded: 2h03
